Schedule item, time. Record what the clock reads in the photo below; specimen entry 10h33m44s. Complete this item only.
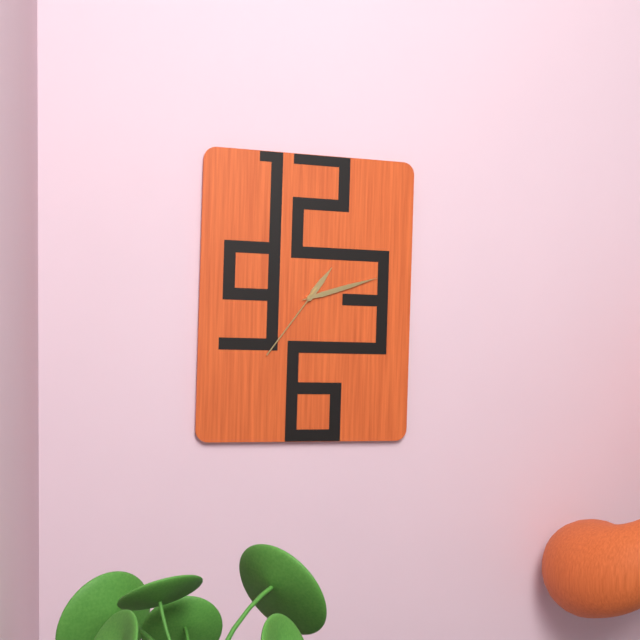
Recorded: 1h12m36s
